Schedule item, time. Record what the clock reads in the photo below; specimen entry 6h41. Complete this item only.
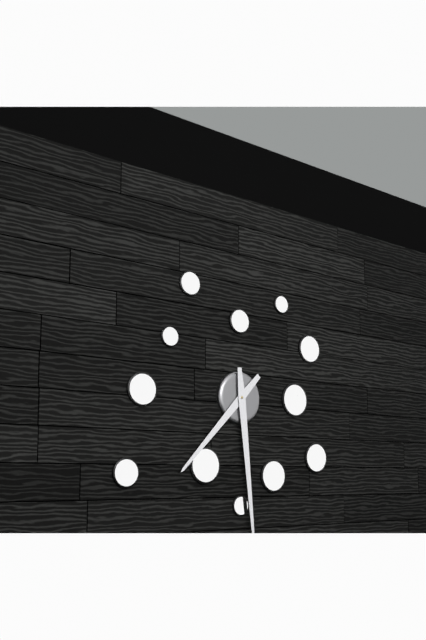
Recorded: 7h29
